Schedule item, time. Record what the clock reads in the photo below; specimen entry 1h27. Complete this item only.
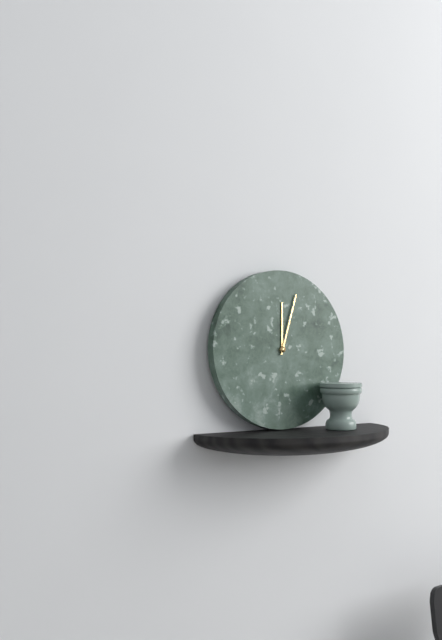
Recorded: 12h03
